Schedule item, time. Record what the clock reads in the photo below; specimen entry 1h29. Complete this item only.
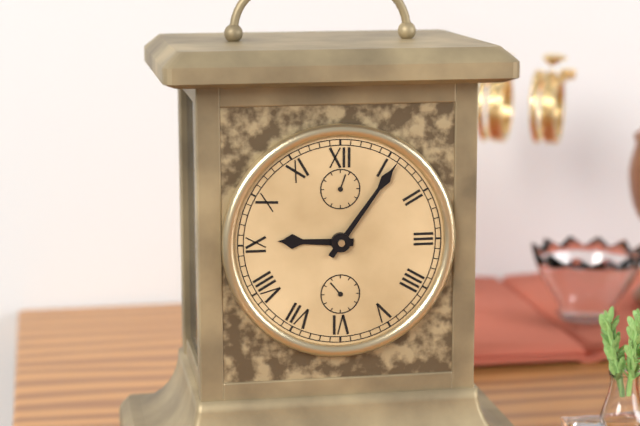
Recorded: 9h06
